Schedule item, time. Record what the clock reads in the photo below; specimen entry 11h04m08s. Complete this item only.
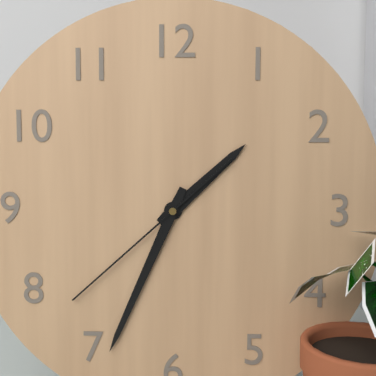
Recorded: 1h34m38s
